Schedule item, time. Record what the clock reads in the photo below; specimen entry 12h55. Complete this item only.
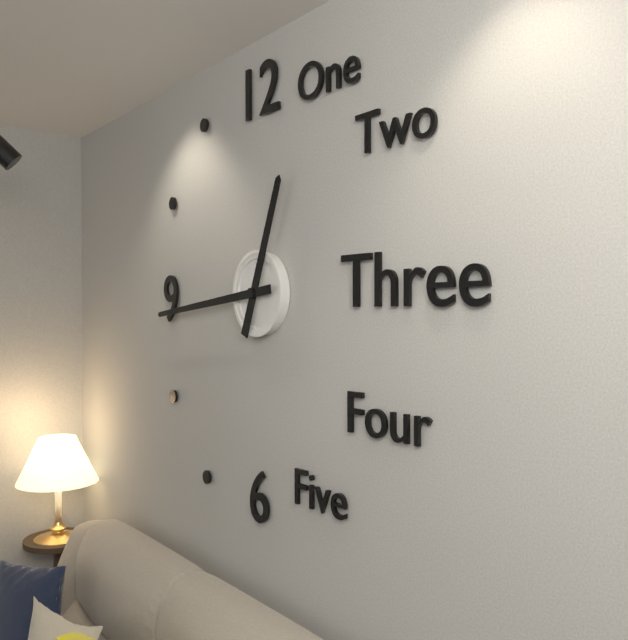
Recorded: 12h44
